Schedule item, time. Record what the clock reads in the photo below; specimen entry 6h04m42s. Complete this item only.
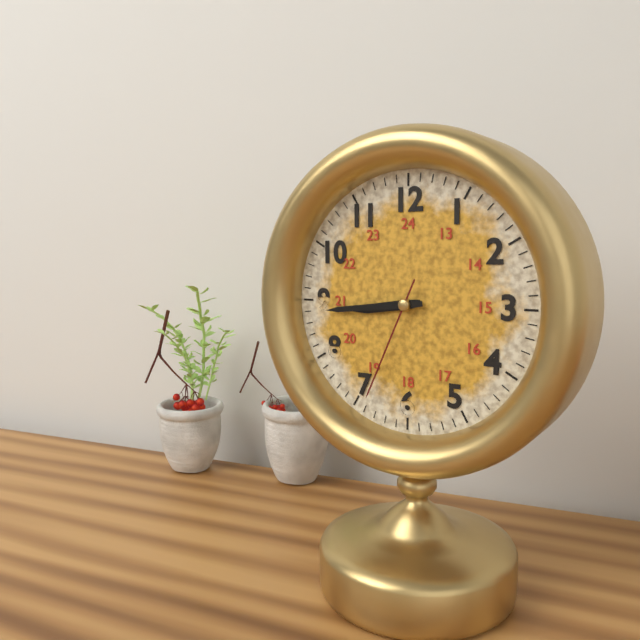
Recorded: 8h44m34s
